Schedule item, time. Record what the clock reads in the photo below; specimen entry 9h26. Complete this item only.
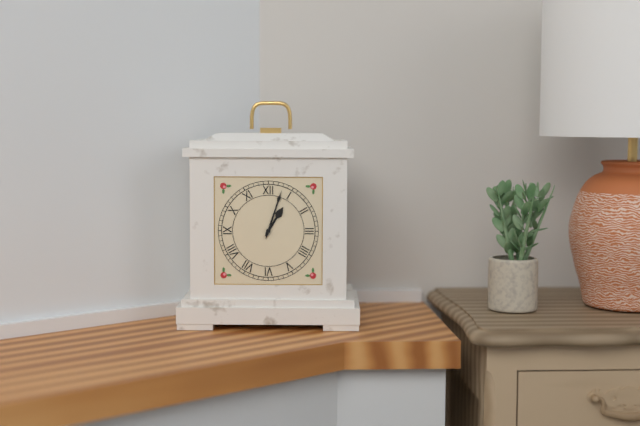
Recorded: 1h03
